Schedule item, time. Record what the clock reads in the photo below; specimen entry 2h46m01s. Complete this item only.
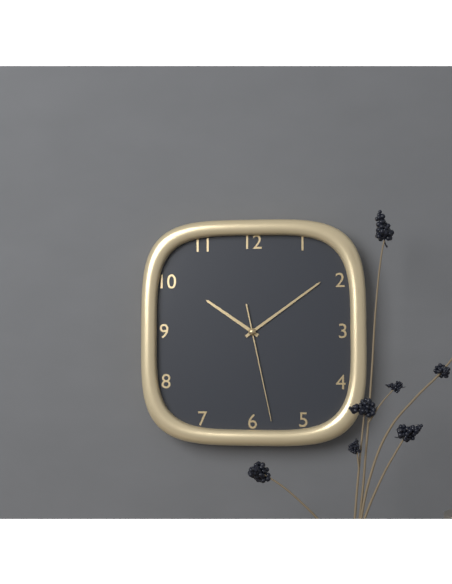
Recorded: 10h09m28s
